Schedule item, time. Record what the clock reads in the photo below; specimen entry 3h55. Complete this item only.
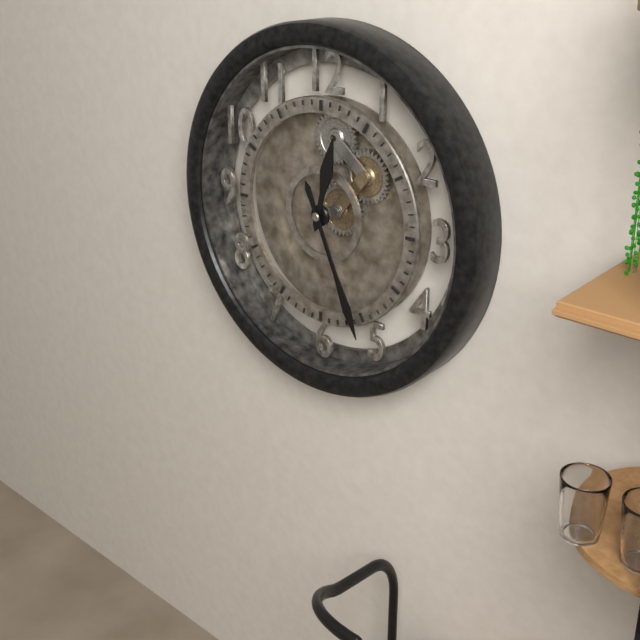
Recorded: 12h26
